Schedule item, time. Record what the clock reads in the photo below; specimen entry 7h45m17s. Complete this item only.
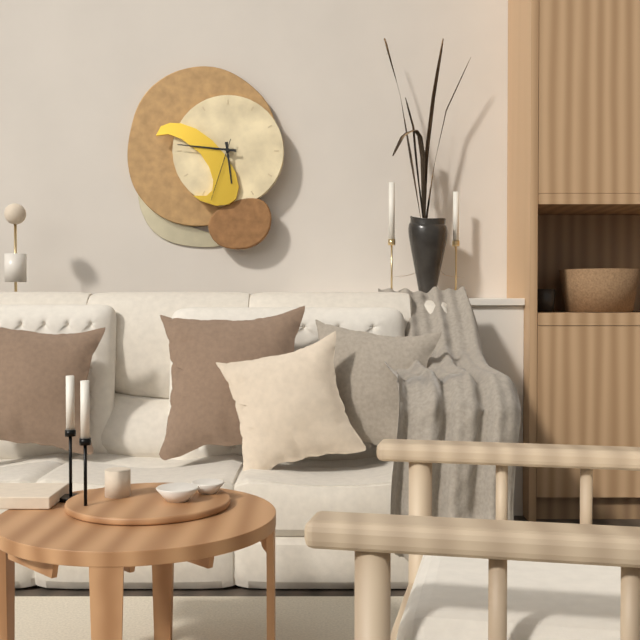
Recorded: 5h46m33s
